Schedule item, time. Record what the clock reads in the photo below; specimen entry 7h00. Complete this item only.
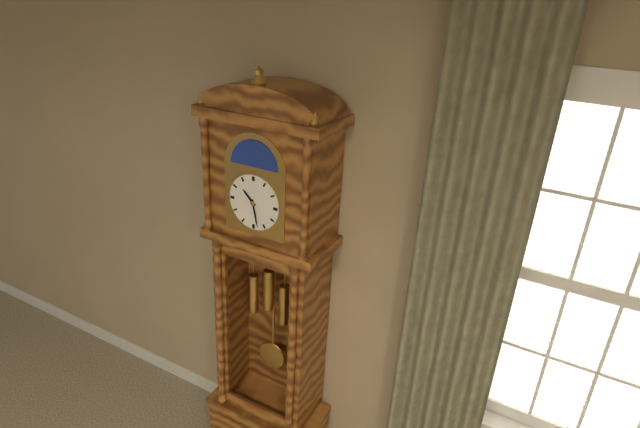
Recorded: 10h28
